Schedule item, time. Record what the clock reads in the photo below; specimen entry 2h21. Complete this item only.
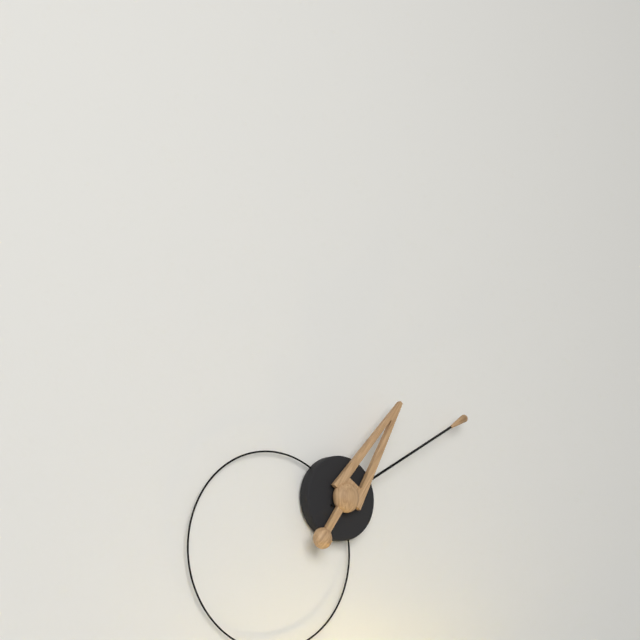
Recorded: 1h10
